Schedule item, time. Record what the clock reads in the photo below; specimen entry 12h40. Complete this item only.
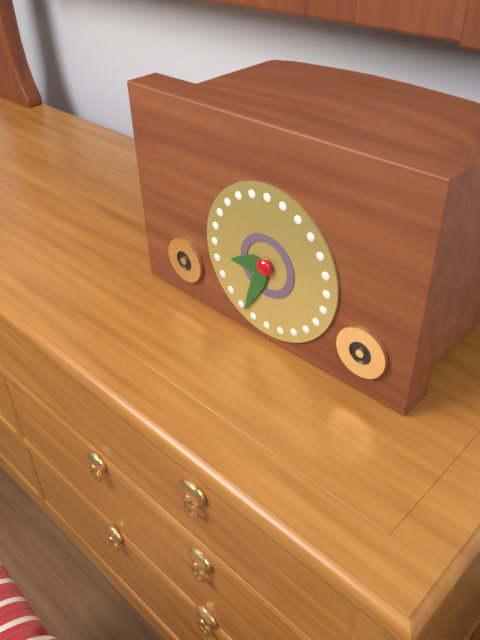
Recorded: 8h34
